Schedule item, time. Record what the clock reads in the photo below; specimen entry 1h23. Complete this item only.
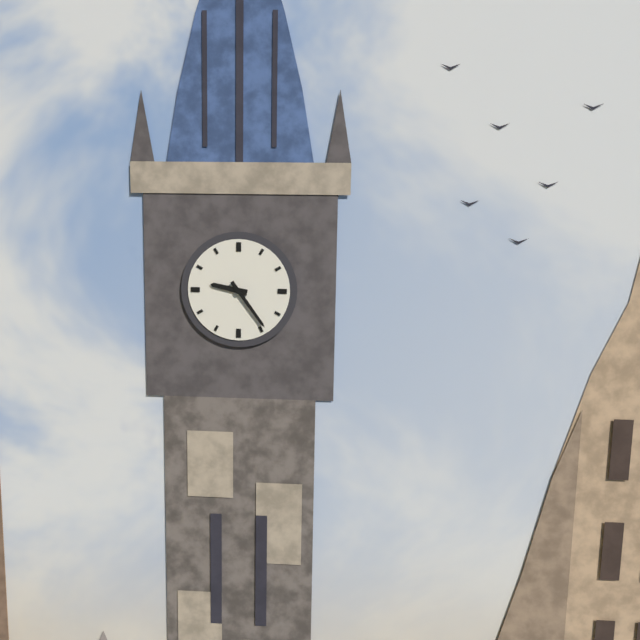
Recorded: 9h24
